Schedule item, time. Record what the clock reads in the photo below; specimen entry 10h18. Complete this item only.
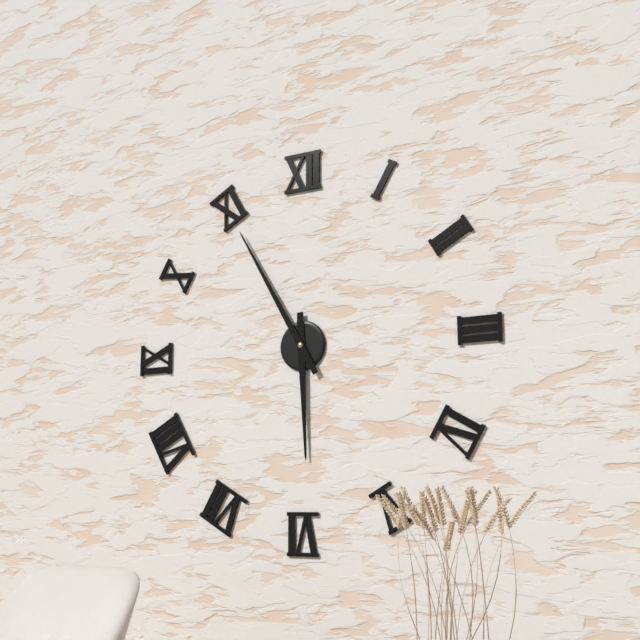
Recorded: 5h55
